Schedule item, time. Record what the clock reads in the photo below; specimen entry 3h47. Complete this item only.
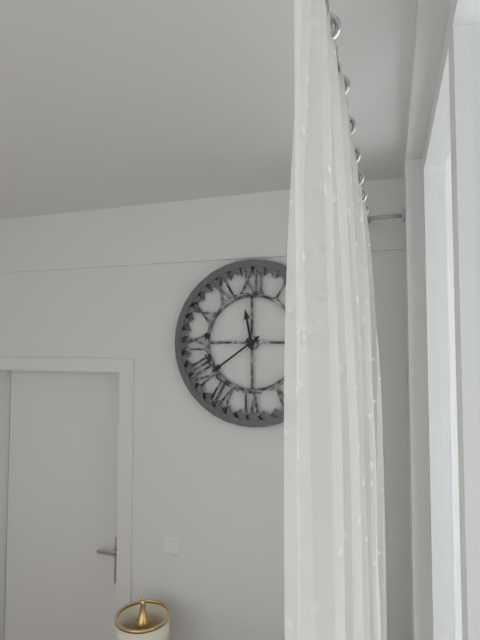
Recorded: 11h39
